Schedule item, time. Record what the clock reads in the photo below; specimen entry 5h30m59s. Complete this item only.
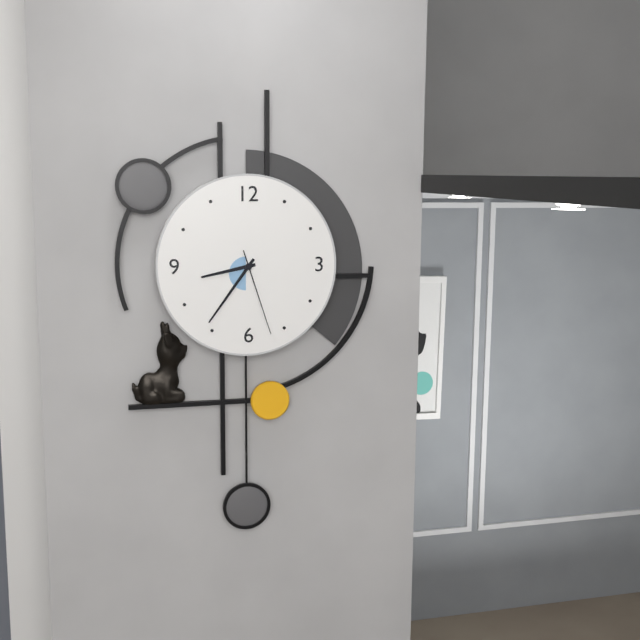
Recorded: 8h36m27s
